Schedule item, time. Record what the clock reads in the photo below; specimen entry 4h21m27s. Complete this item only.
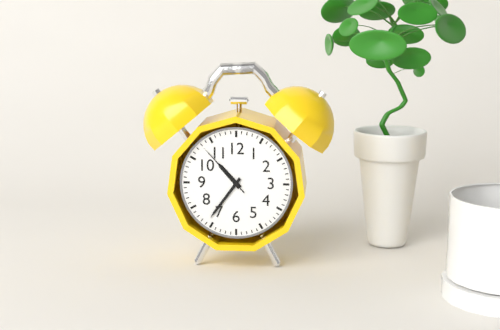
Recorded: 10h36m53s
